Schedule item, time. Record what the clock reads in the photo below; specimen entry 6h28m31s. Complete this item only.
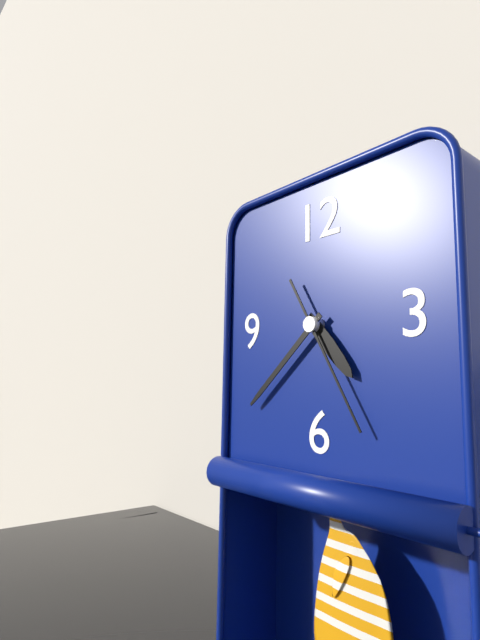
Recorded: 4h38m25s
